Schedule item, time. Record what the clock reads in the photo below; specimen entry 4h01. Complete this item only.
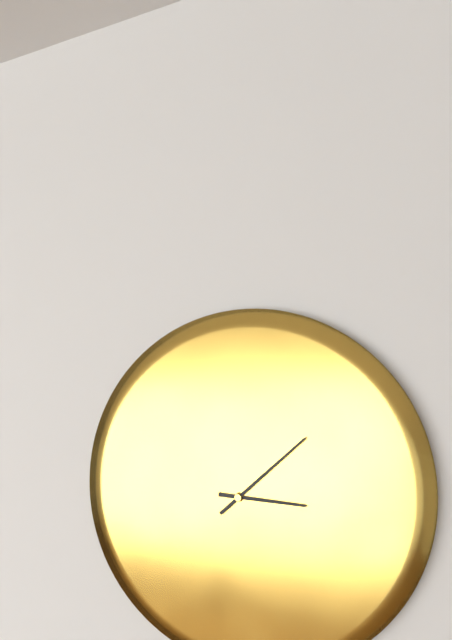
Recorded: 3h08
